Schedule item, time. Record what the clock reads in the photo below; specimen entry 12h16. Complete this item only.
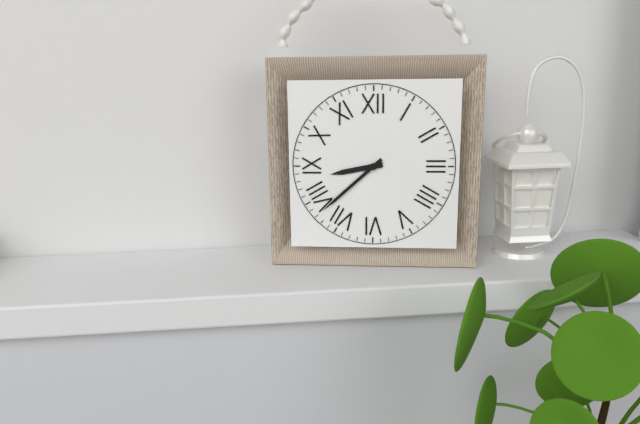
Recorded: 8h38
